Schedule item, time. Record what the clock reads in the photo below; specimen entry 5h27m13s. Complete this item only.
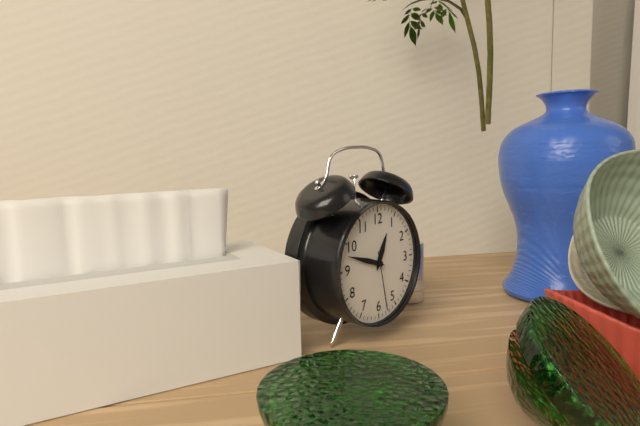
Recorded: 12h48m28s
